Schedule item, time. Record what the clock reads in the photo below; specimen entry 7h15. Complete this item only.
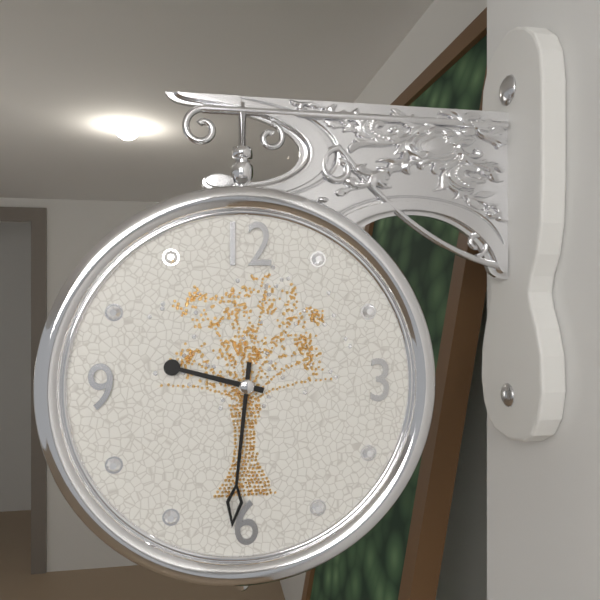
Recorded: 9h31
